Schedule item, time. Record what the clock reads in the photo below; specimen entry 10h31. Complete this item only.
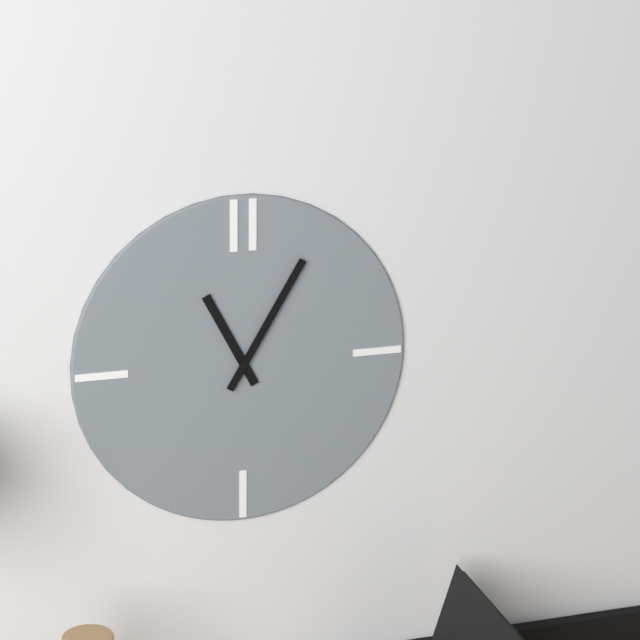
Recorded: 11h05
